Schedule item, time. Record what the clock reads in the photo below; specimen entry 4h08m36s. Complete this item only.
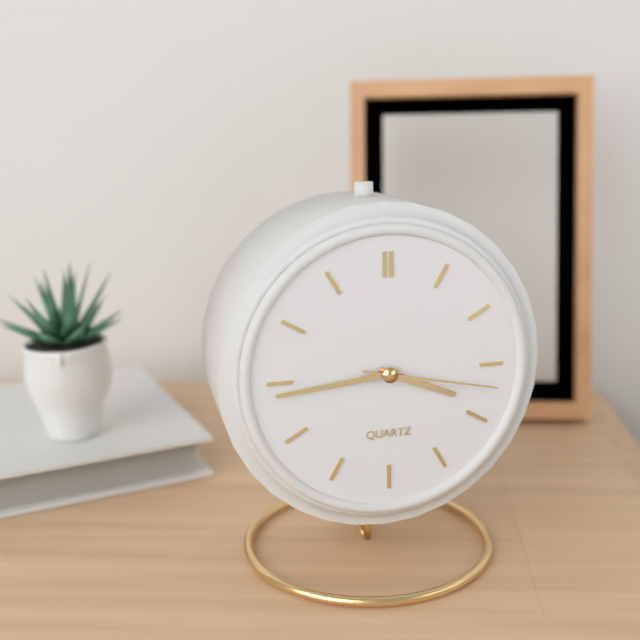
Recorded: 3h44m17s
